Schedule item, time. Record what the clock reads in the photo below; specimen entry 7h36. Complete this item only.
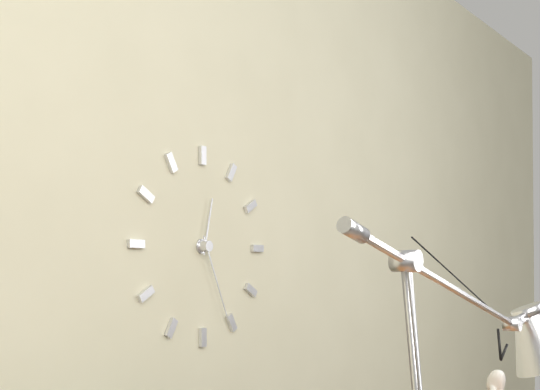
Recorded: 12h26
